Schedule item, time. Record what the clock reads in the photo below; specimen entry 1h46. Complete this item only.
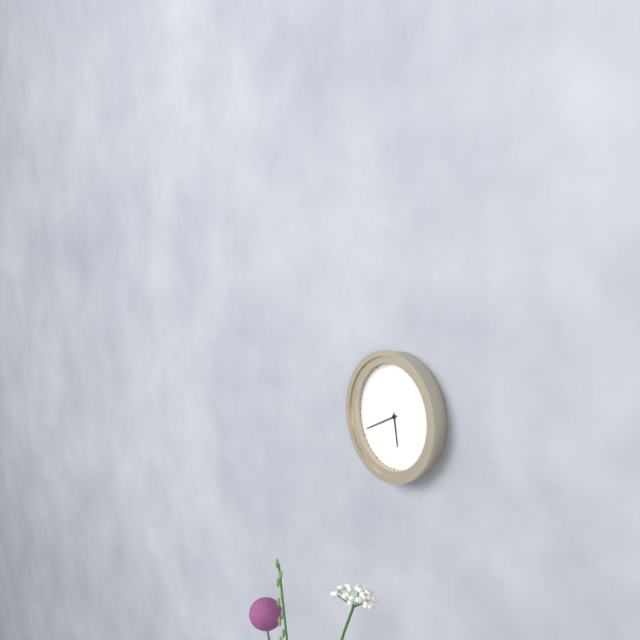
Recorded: 5h41
